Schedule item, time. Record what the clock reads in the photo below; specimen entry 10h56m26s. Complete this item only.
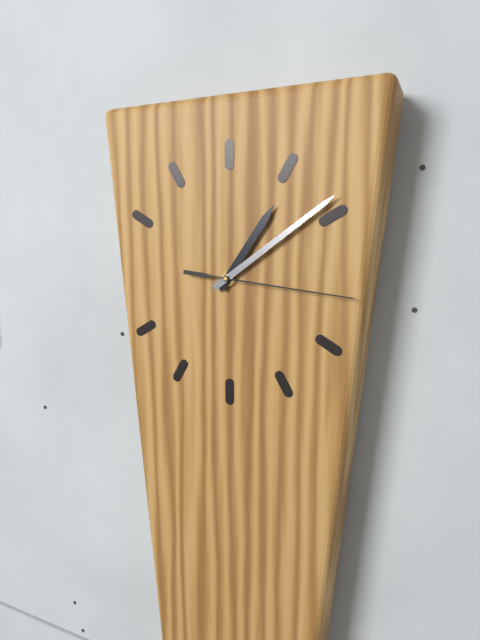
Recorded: 1h09m16s
